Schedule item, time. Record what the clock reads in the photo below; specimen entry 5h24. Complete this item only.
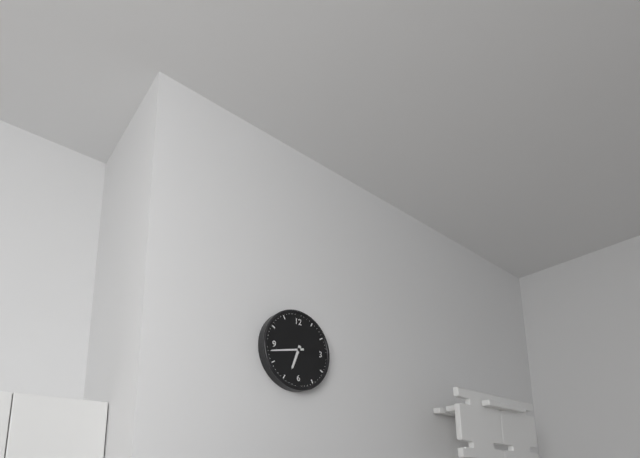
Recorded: 6h43
